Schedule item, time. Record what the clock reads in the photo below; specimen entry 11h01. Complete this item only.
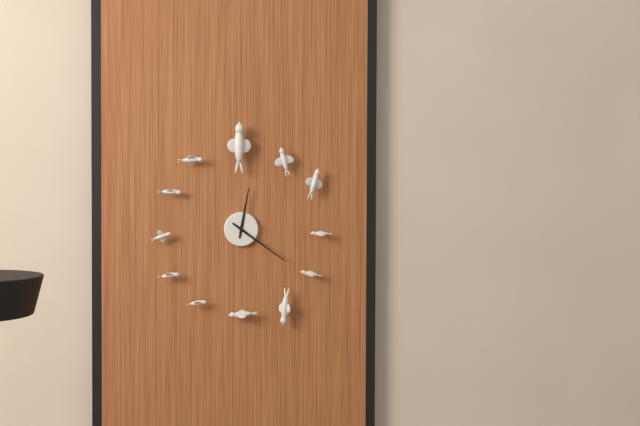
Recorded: 12h21
